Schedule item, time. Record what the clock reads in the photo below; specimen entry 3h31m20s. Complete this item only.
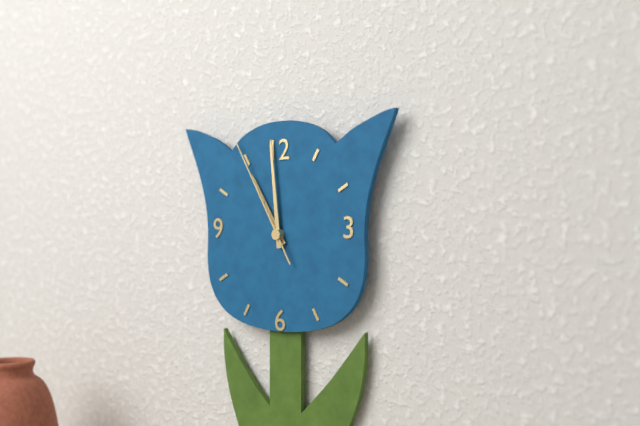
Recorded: 10h59m55s
